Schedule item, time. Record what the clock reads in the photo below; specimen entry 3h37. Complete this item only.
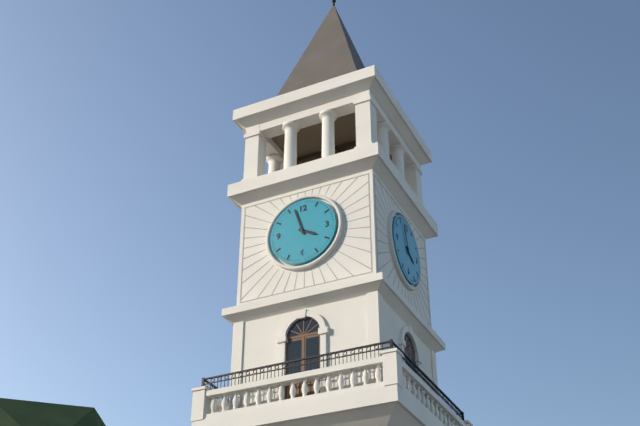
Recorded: 3h57
